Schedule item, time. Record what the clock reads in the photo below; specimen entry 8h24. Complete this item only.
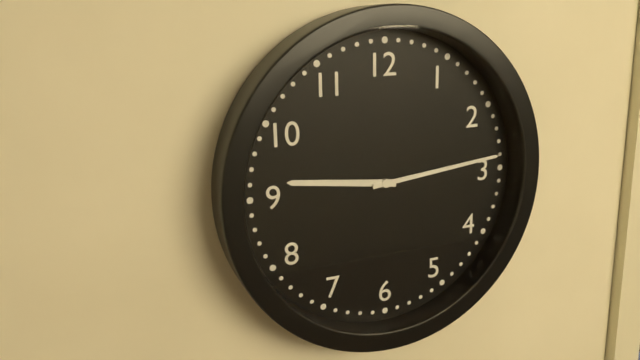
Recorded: 9h14
